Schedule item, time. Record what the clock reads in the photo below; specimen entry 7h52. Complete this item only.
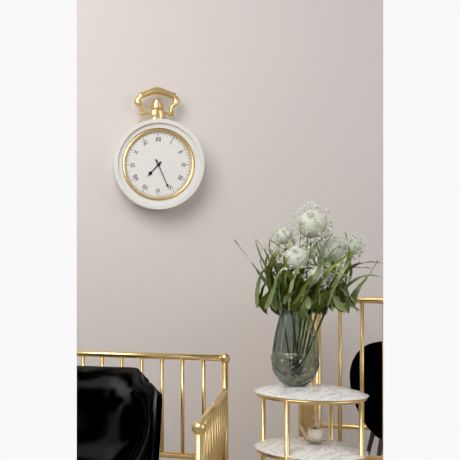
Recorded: 7h26
